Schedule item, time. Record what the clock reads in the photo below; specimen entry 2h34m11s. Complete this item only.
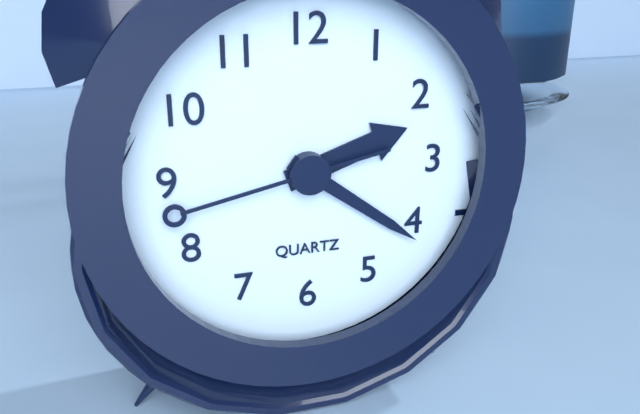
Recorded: 2h21m43s
